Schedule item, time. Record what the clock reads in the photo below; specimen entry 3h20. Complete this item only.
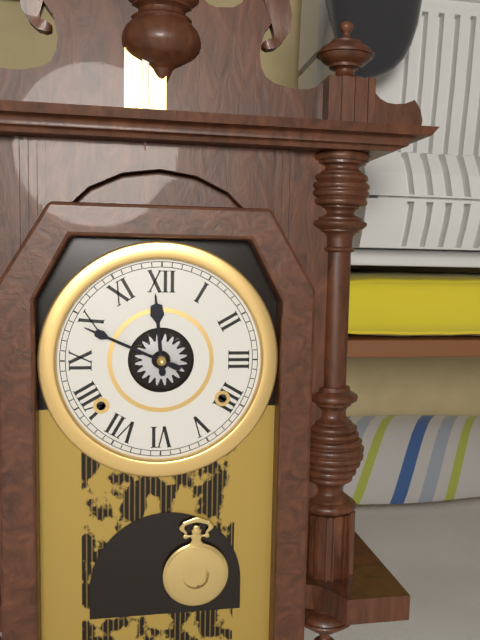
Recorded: 11h49
